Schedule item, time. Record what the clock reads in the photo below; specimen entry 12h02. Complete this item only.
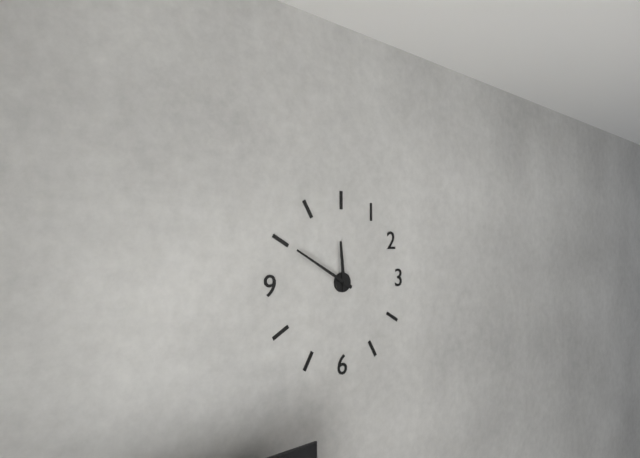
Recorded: 11h50
